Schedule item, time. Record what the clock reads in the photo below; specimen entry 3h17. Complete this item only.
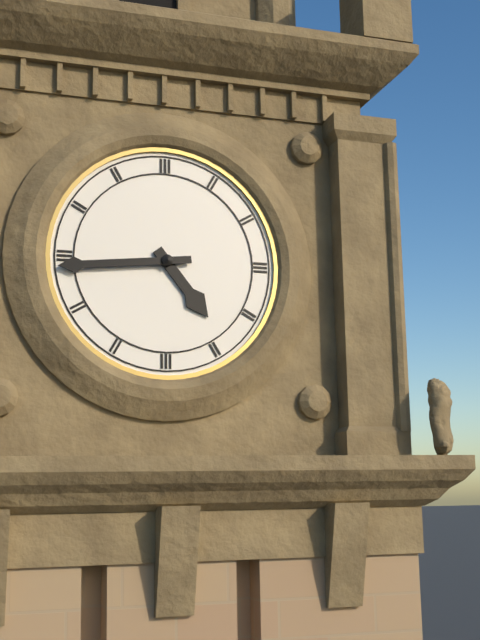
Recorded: 4h44
